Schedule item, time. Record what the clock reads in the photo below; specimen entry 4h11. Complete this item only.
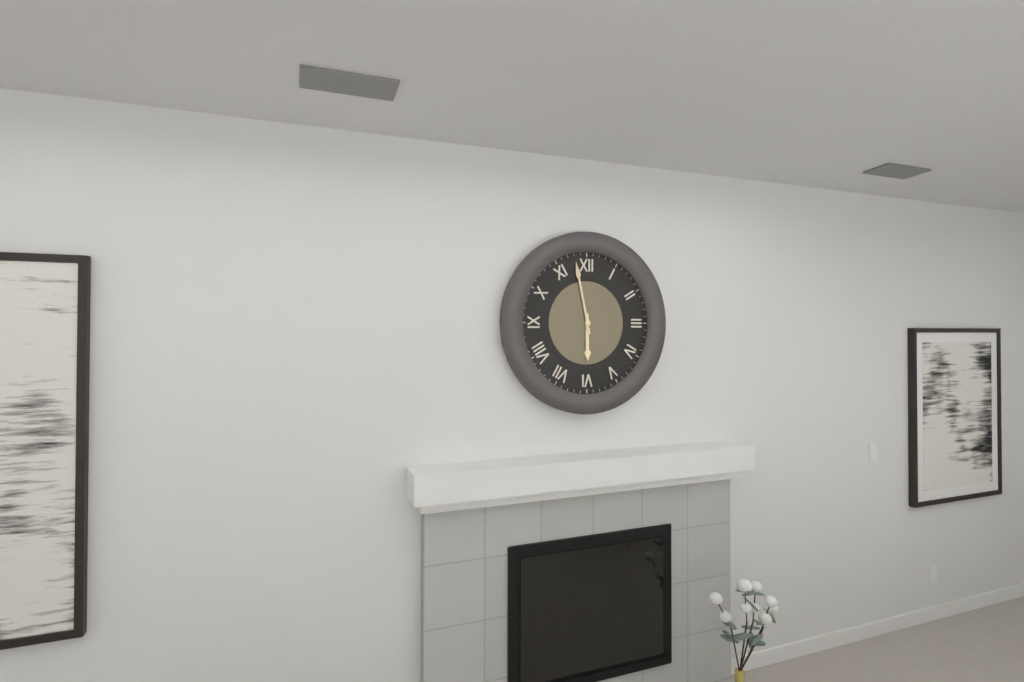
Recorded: 5h58
